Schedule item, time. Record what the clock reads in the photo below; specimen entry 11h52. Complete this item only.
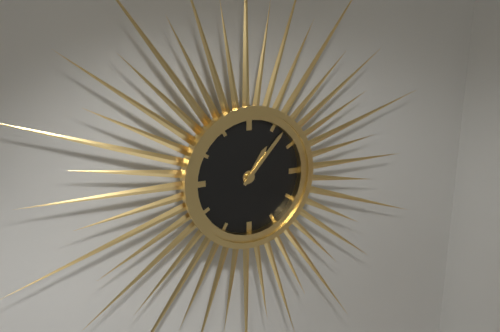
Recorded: 1h07
